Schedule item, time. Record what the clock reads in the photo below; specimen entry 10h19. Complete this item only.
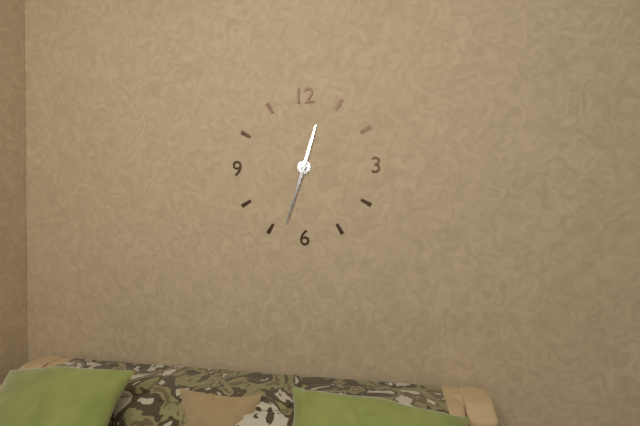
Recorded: 12h33
